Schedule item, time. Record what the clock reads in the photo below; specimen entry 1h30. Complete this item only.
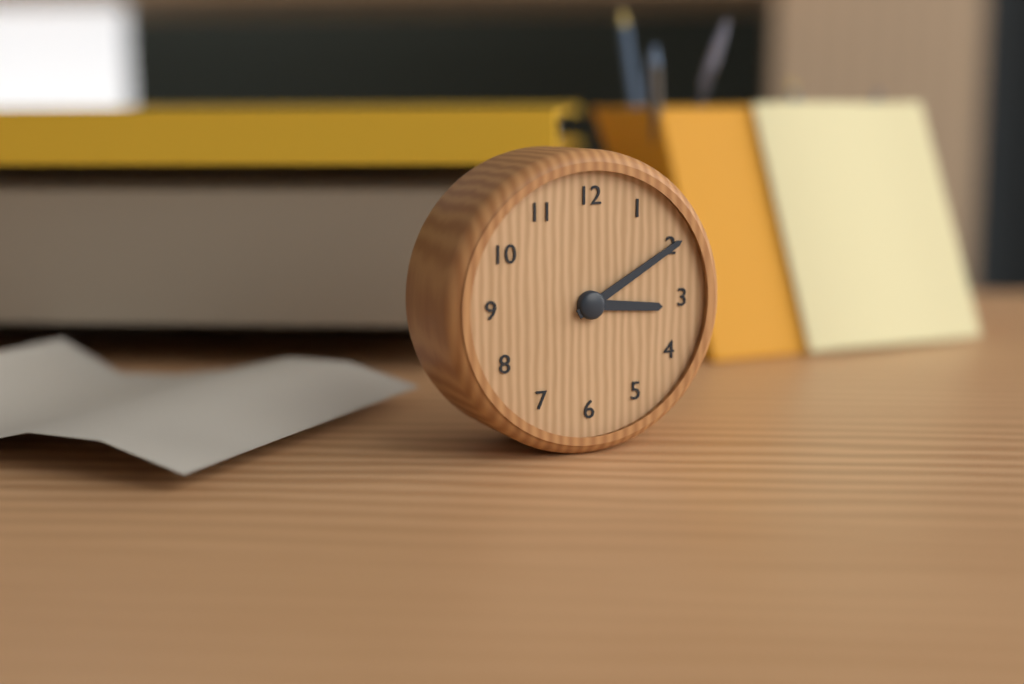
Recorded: 3h10
